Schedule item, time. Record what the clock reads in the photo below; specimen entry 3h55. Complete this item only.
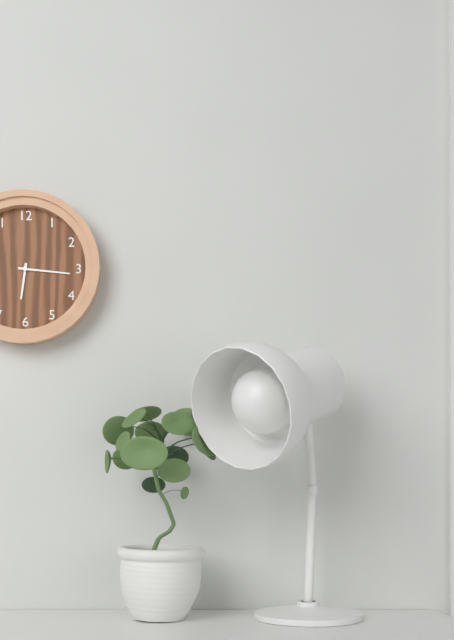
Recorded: 6h16
